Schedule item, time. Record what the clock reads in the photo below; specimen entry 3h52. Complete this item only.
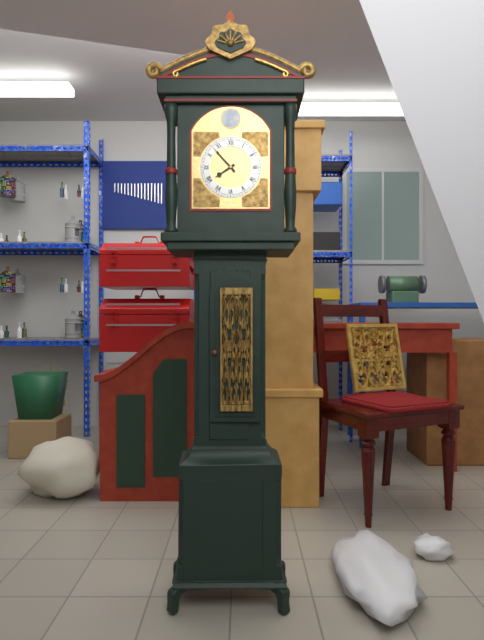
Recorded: 7h53
